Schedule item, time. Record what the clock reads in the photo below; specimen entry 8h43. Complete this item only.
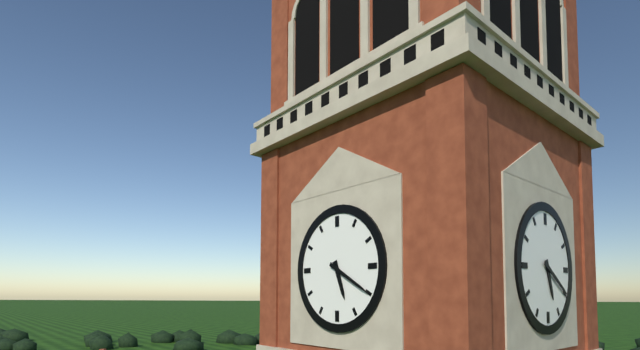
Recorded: 5h20
